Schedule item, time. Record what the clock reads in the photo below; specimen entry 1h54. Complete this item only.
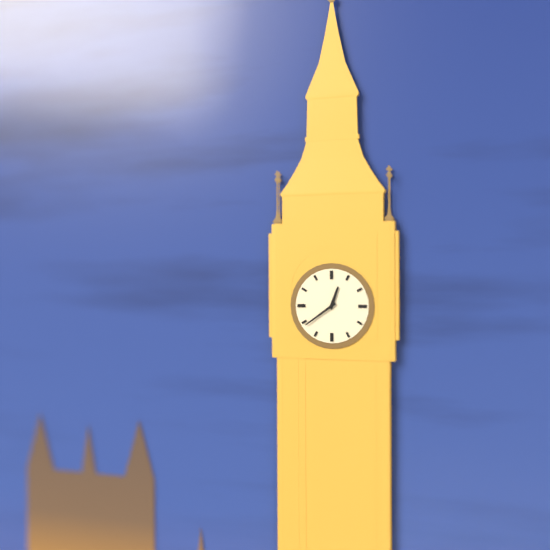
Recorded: 12h39
